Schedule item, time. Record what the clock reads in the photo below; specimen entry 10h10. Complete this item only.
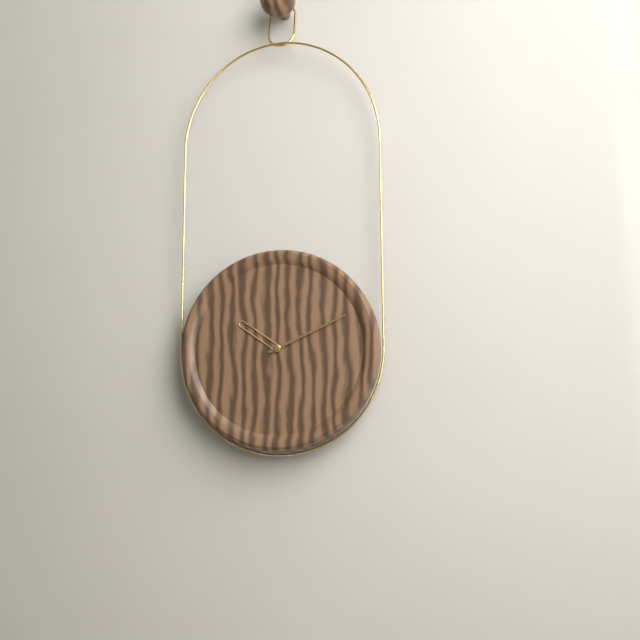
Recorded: 10h11
